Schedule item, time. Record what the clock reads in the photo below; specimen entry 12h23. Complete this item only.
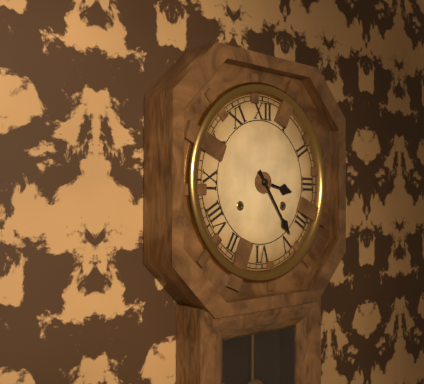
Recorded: 3h24
